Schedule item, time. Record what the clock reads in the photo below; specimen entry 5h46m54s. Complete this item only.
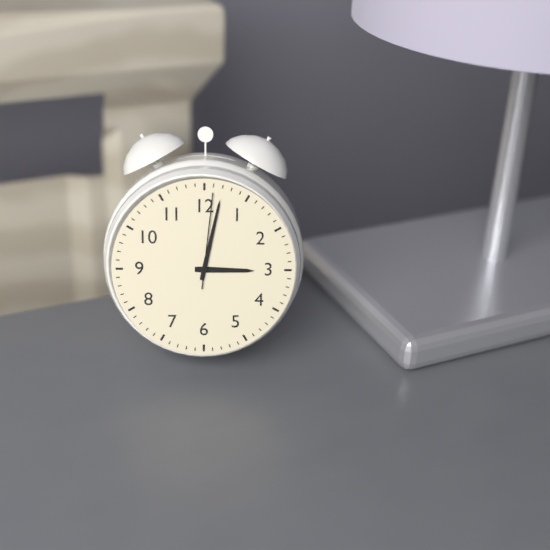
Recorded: 3h02m01s
